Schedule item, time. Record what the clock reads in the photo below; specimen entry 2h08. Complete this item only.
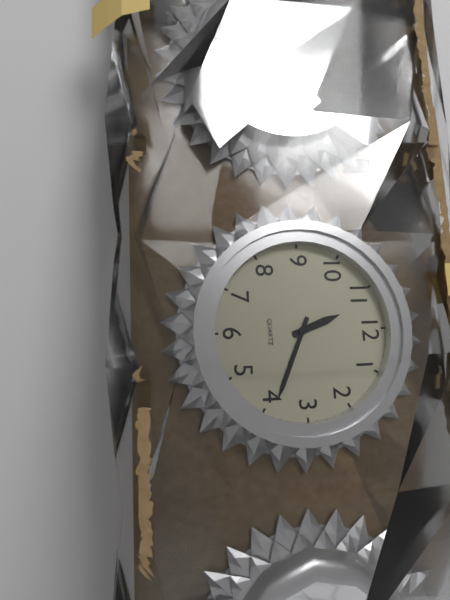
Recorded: 11h19
